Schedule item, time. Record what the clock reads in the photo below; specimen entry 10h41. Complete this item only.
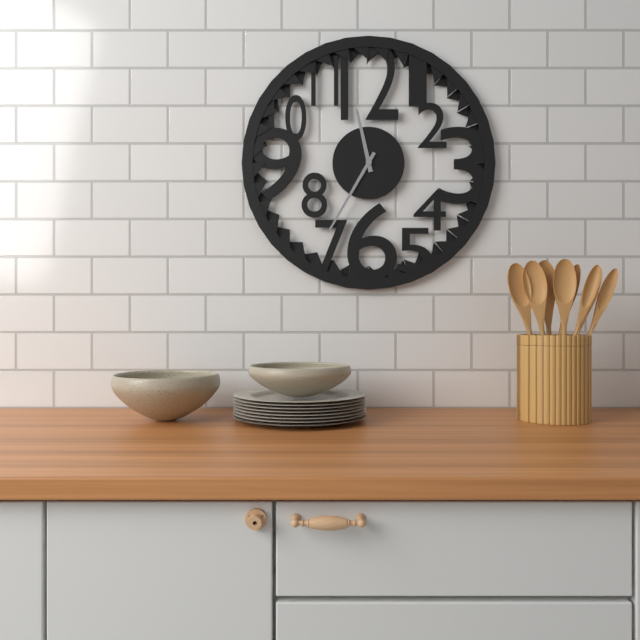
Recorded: 11h35
